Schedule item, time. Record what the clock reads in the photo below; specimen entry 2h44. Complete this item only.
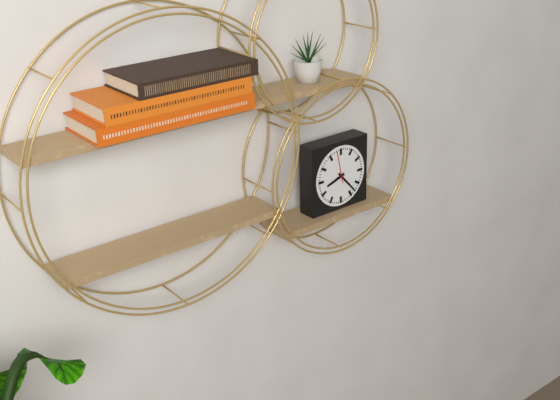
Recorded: 8h23
